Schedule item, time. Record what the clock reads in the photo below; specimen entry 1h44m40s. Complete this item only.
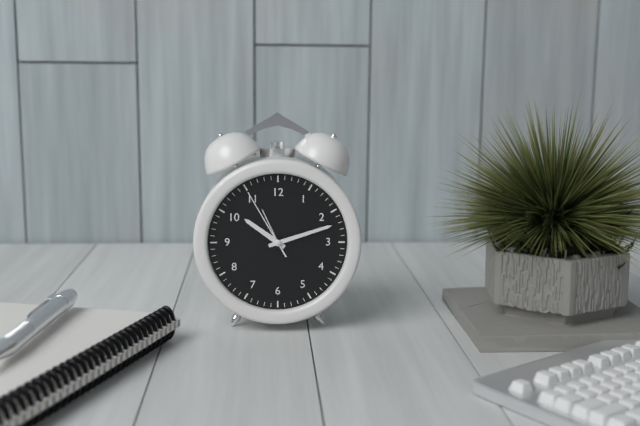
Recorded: 10h12m55s
